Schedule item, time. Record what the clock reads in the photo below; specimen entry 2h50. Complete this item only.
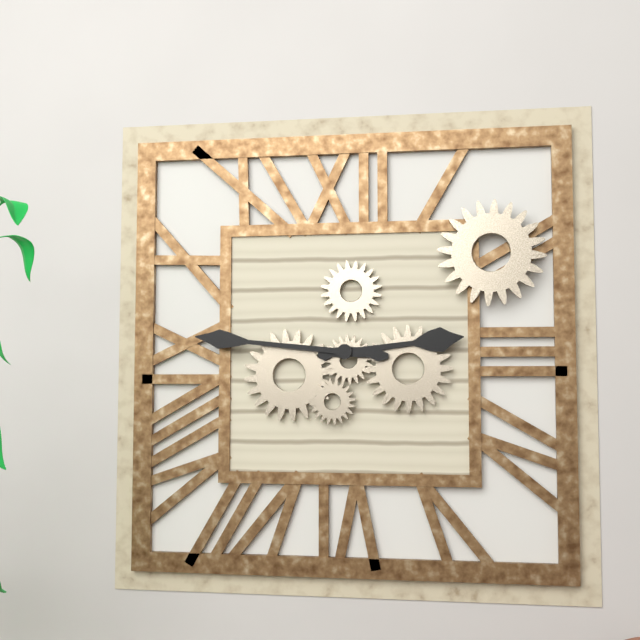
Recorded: 2h46
